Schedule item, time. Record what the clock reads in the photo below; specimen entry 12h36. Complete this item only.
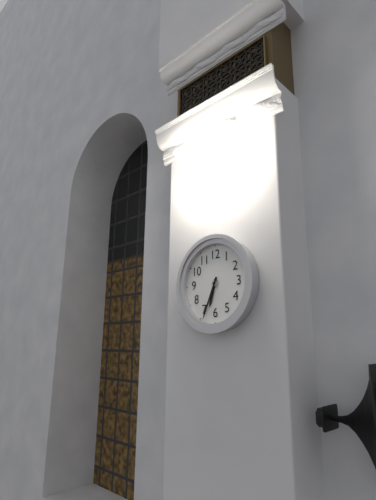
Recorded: 6h34
